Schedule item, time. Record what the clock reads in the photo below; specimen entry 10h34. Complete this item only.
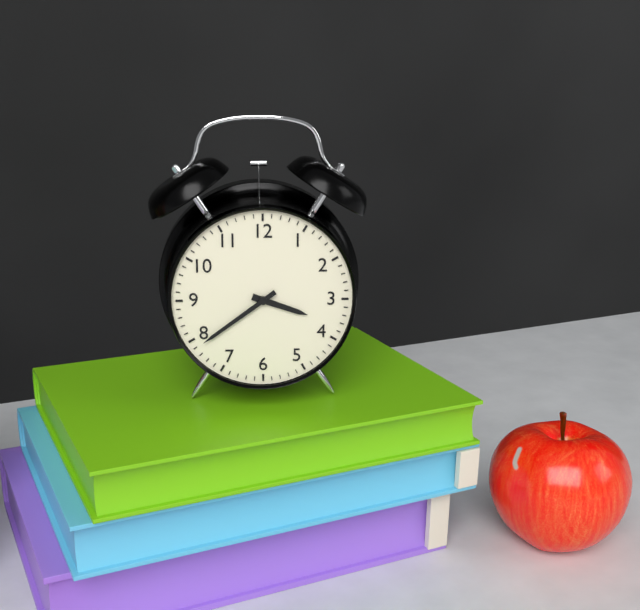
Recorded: 3h39
